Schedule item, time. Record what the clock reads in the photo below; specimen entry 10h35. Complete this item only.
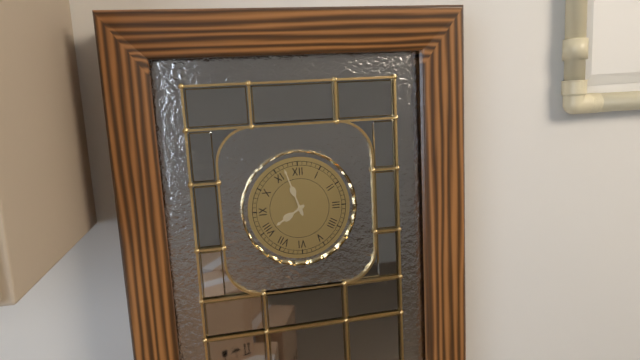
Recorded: 7h57
